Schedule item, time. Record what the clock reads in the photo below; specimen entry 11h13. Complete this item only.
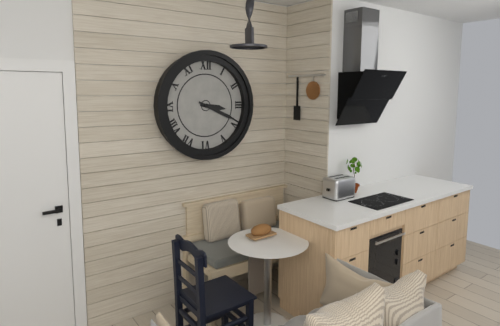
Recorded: 3h19
